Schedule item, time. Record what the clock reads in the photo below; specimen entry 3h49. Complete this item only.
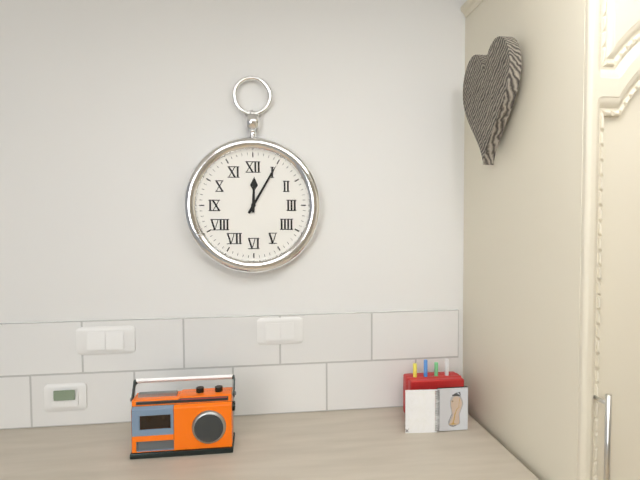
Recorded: 12h05
